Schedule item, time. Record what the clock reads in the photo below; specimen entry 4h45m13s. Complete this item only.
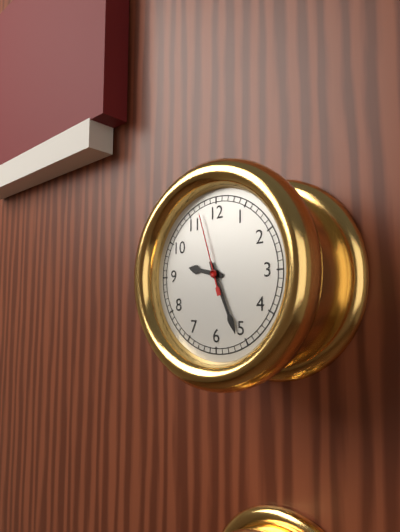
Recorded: 9h26m57s
